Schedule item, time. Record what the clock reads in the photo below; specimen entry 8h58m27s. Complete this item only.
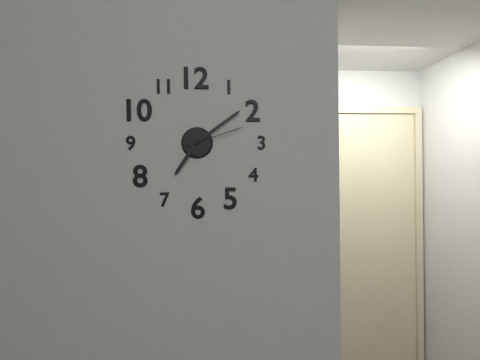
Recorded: 7h09m12s
